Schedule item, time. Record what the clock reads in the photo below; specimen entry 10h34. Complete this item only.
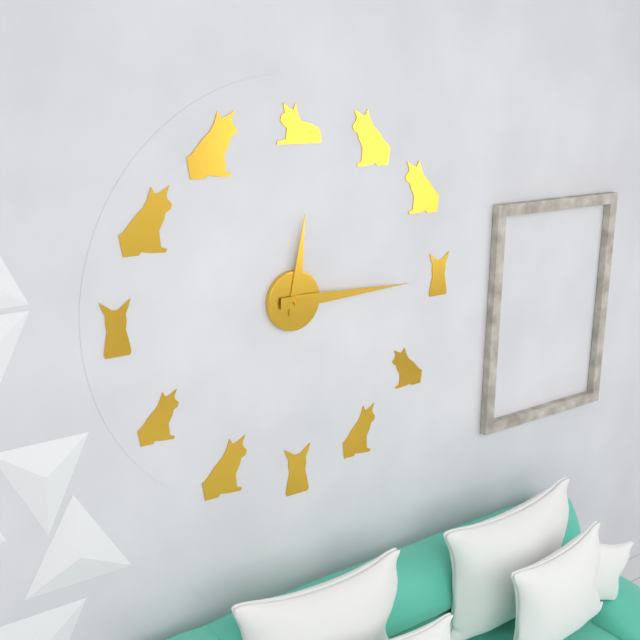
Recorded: 12h15
